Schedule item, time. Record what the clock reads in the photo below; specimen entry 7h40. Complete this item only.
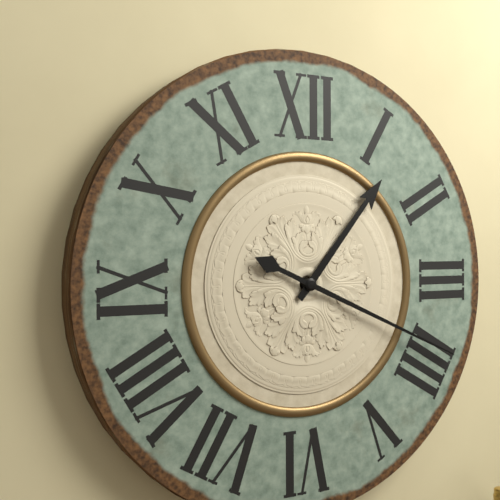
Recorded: 1h19
